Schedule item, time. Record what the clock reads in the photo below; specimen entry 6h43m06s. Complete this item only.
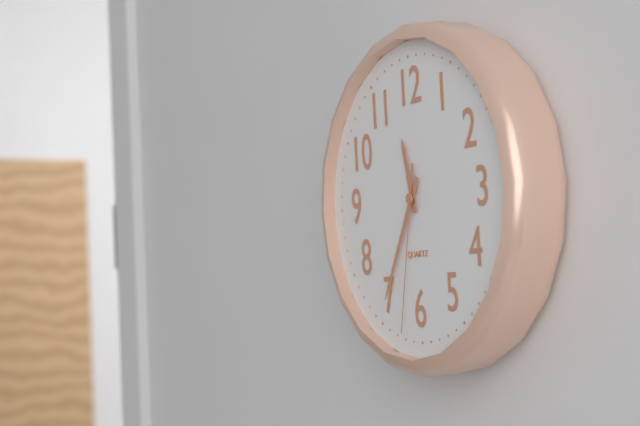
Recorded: 11h35m32s
